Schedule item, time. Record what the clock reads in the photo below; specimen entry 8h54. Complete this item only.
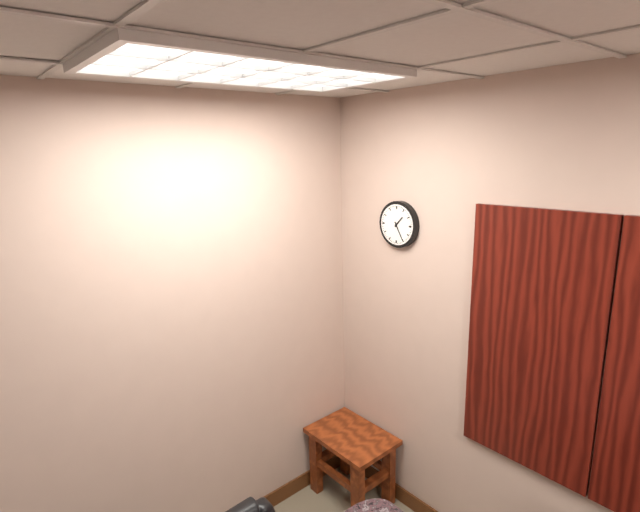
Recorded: 1h25
